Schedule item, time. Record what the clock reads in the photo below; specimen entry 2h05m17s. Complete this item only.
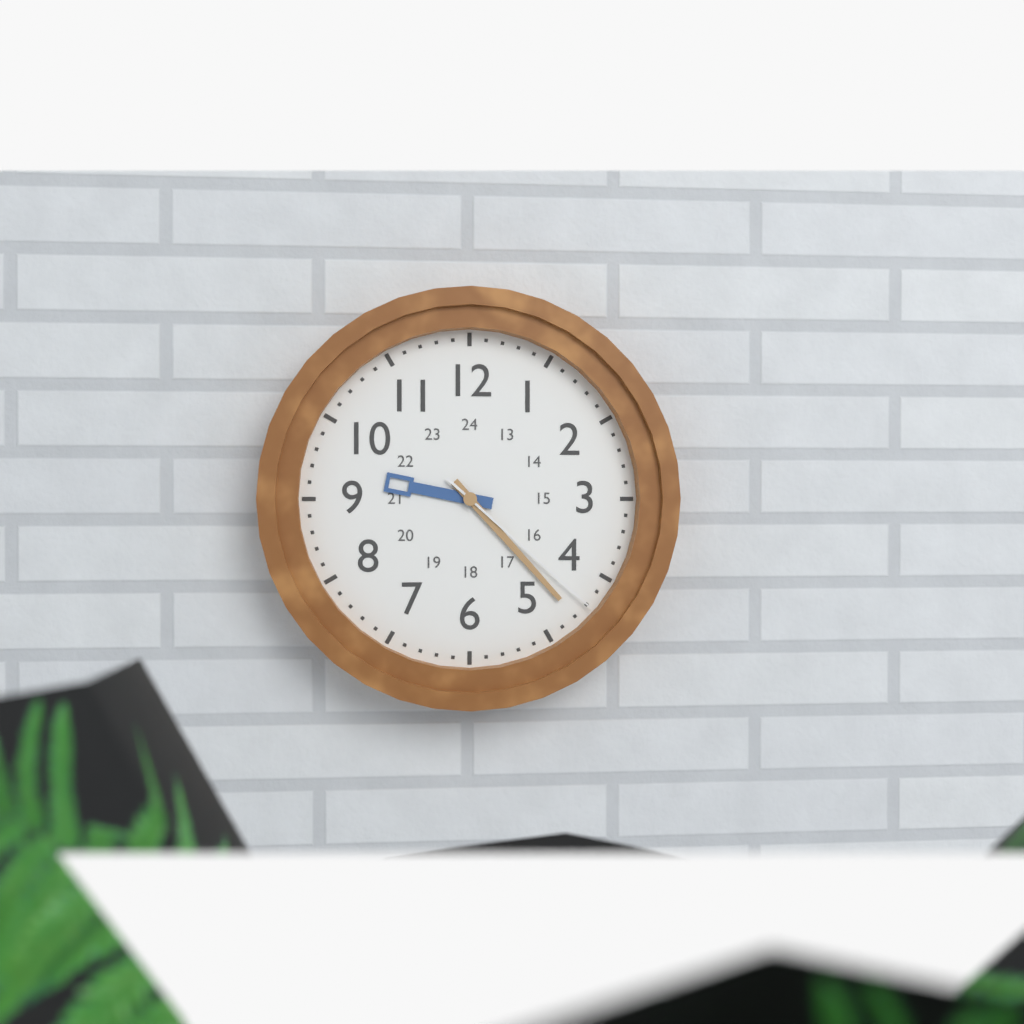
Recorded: 9h23m22s
